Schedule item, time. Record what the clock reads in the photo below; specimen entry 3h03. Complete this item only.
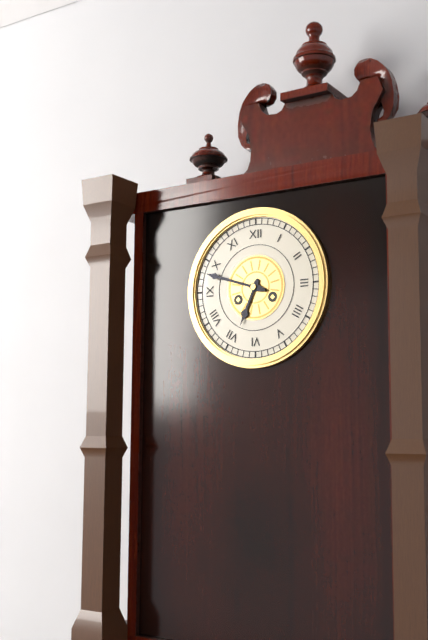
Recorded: 6h48
